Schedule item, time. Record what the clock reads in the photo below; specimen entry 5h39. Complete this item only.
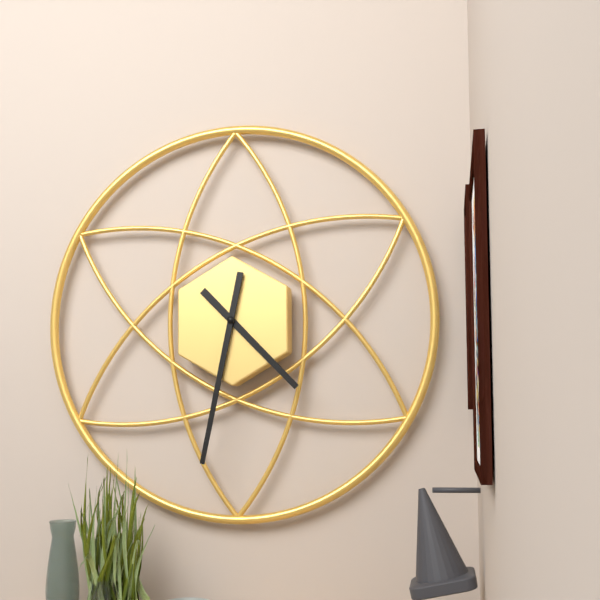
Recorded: 4h32
